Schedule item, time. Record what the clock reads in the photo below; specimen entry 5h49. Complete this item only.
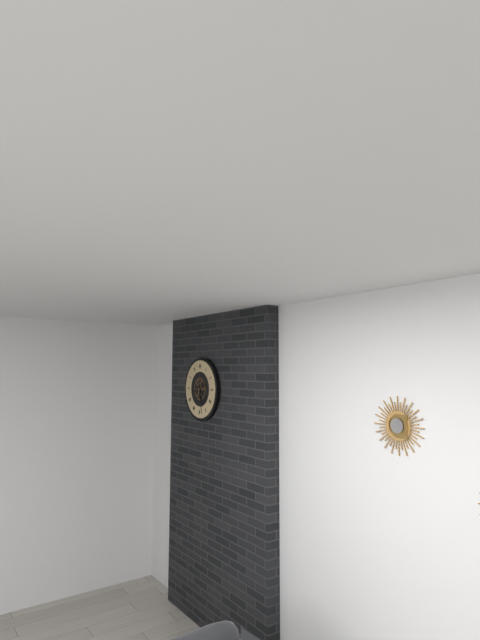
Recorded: 8h28
